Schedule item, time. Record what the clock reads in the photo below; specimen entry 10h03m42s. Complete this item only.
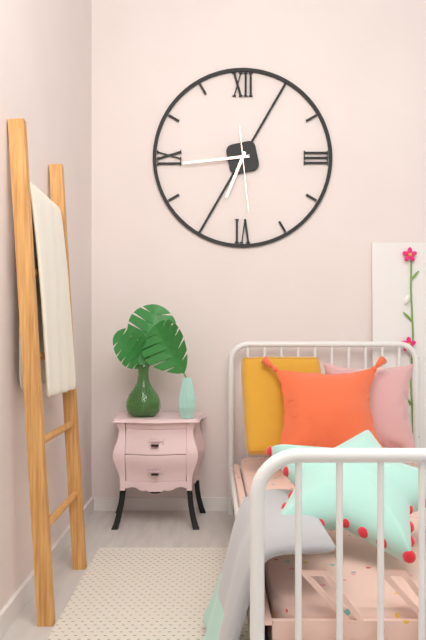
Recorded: 6h44m29s
